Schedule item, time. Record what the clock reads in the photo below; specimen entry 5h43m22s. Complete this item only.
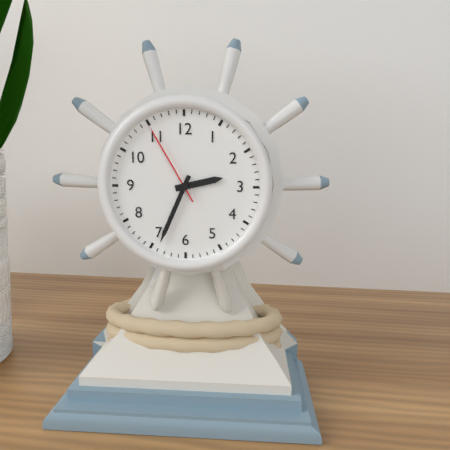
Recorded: 2h34m55s
